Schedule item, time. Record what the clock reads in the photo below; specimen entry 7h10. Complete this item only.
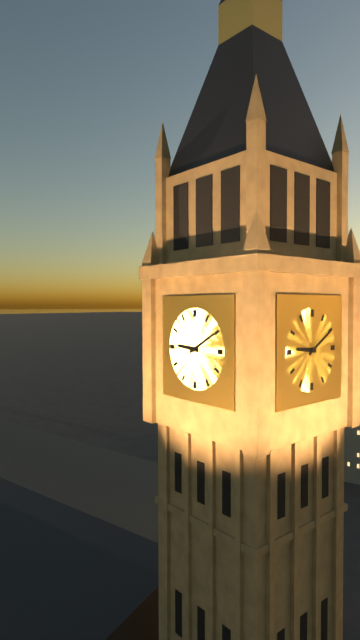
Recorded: 9h10
